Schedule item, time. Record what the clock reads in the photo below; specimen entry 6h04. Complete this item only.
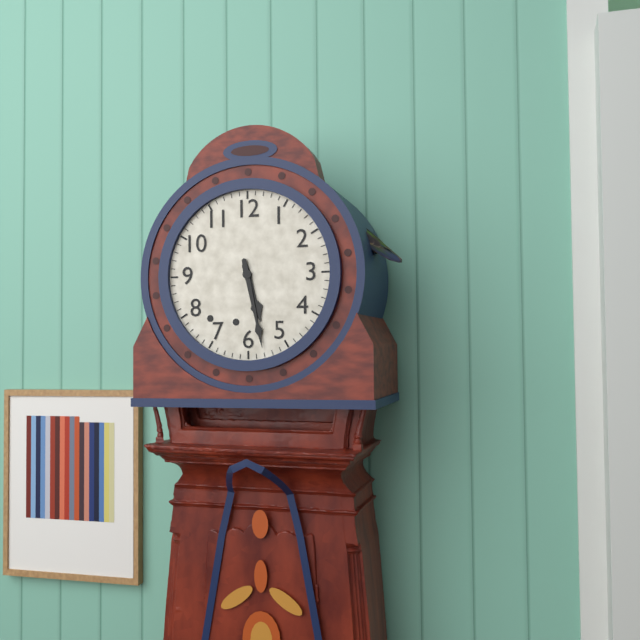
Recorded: 5h28
